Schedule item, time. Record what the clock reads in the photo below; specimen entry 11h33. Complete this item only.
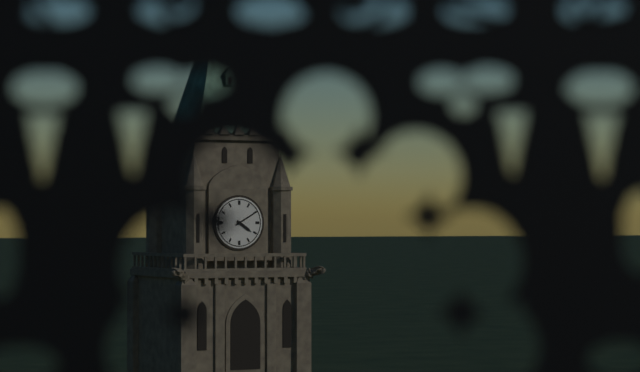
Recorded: 4h10
